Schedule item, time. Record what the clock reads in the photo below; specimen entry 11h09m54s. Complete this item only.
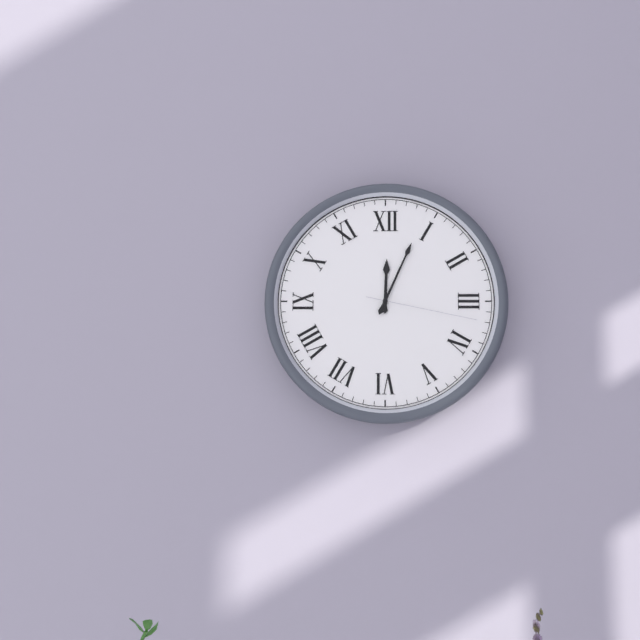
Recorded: 12h04m17s
